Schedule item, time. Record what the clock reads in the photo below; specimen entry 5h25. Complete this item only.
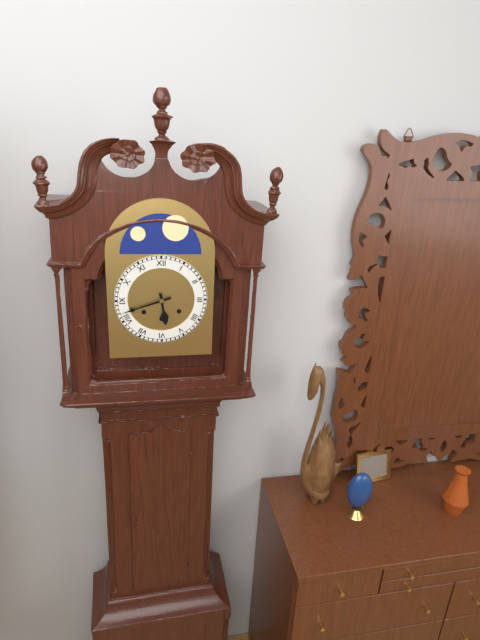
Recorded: 5h42
